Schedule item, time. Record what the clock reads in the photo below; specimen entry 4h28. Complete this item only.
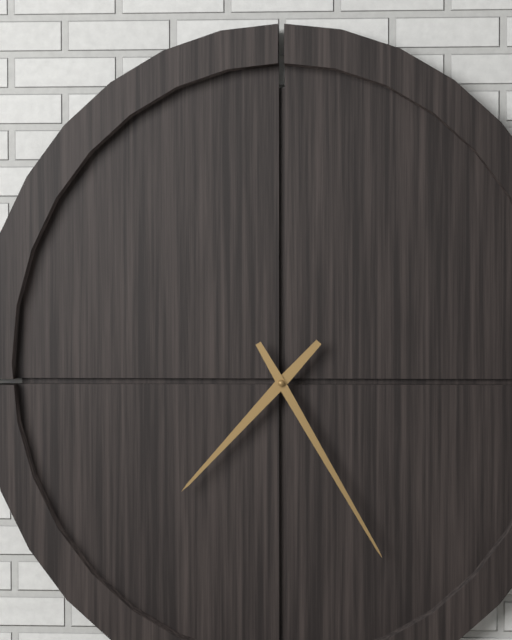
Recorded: 7h25
